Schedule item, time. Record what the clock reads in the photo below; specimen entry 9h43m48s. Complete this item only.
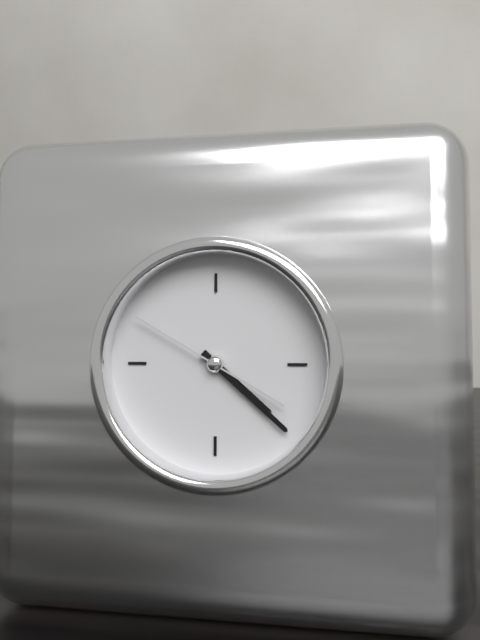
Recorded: 4h22m50s
